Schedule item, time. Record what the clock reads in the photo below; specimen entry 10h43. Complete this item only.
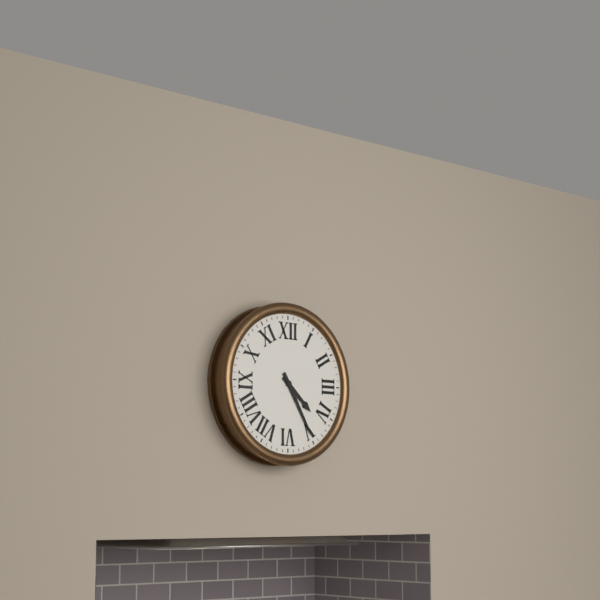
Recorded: 4h25
